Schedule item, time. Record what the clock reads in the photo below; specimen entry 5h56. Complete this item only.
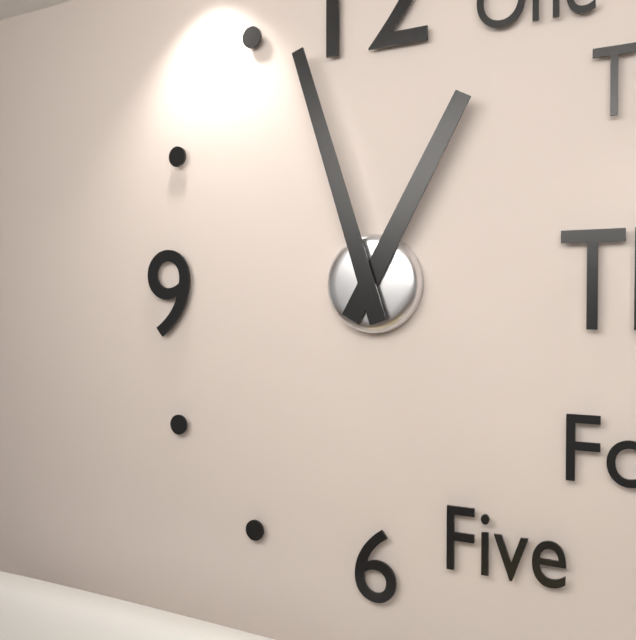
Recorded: 12h57
